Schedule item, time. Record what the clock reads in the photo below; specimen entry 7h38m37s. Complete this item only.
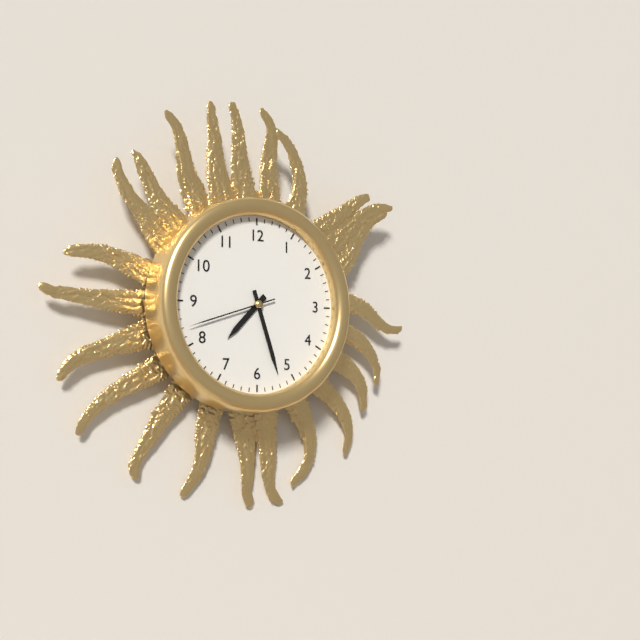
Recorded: 7h27m42s
